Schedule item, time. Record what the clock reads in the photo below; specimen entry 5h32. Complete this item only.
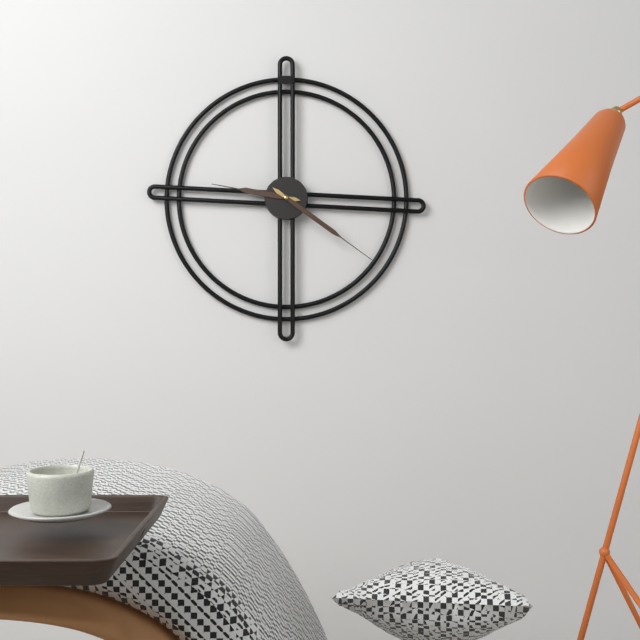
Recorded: 9h21
